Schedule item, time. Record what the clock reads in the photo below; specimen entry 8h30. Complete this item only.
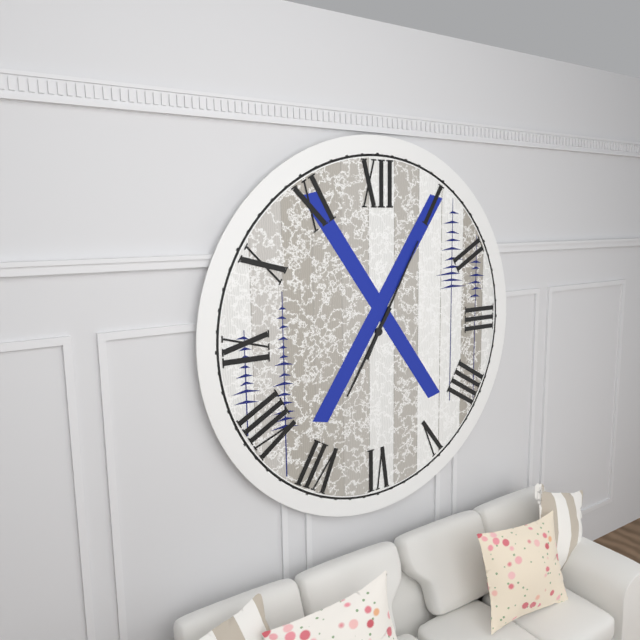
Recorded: 7h05
